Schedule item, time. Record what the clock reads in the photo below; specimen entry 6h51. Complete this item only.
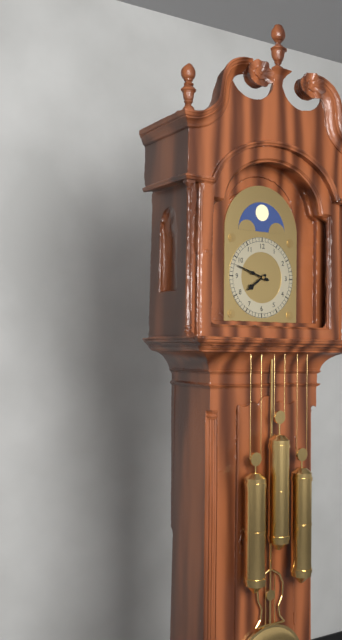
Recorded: 7h48
